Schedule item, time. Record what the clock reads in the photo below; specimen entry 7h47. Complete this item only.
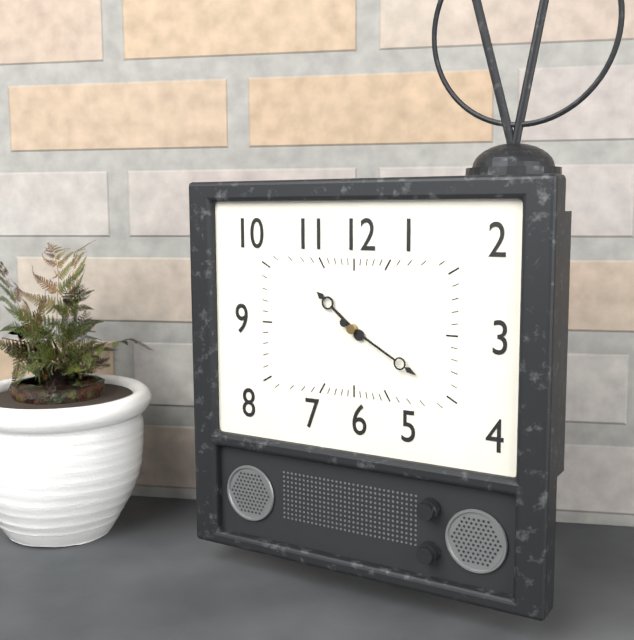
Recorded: 10h20
